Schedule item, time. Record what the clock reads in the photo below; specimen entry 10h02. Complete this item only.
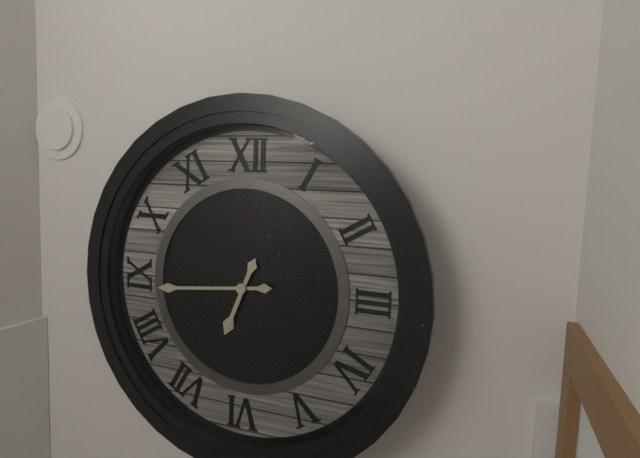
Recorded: 6h44
